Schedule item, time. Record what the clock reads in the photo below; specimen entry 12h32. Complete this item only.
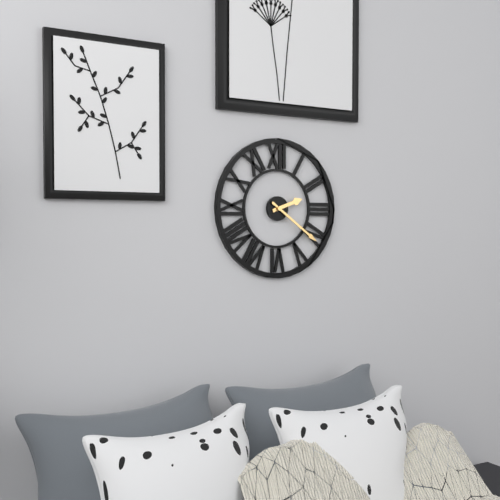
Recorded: 2h21
